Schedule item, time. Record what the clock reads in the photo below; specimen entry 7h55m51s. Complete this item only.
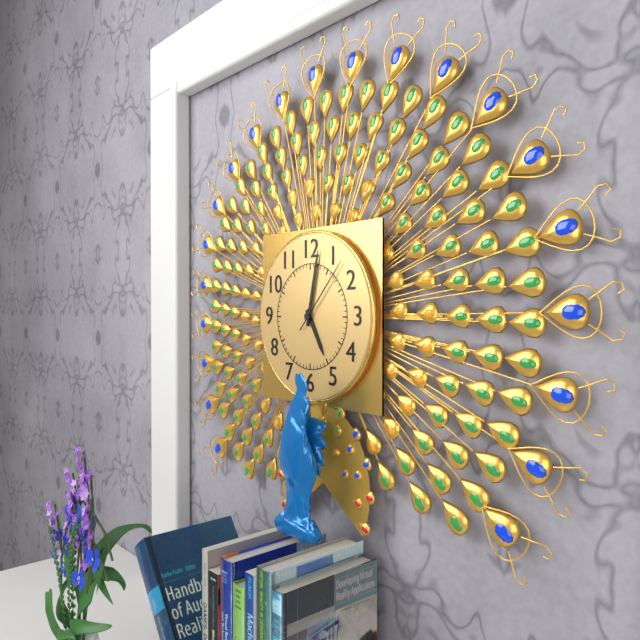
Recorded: 5h02m07s
